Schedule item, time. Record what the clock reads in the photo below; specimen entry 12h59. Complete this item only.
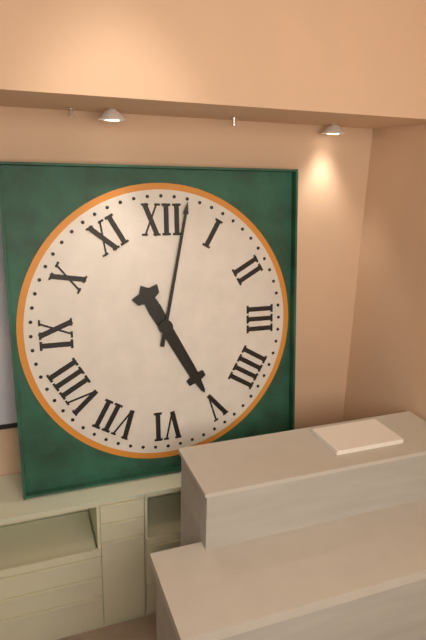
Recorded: 5h02
